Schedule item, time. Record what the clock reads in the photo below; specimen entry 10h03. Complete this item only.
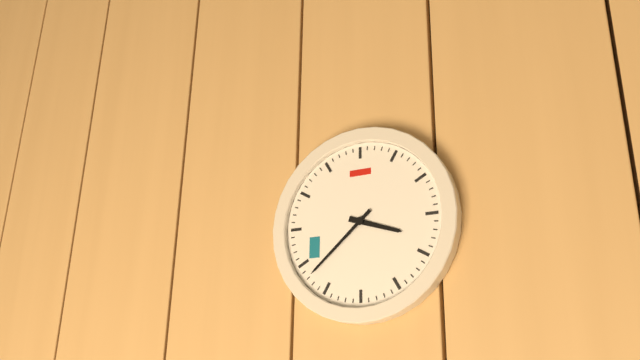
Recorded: 3h38
